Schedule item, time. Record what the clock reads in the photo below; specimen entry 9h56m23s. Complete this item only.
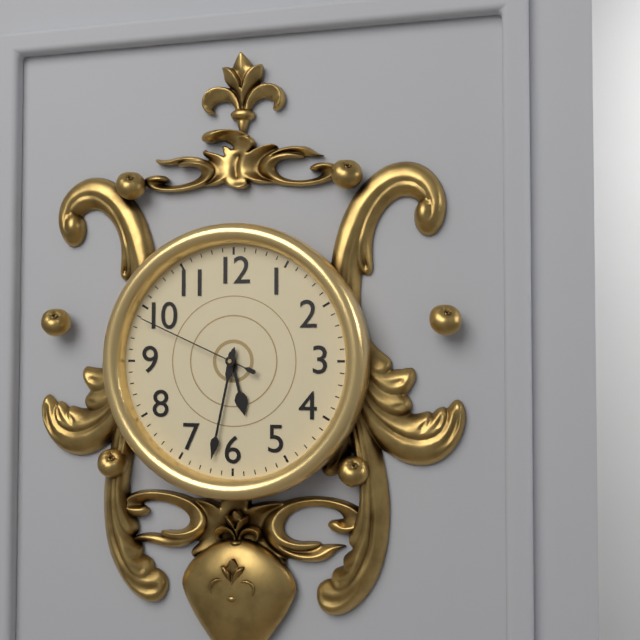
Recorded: 5h32m49s
